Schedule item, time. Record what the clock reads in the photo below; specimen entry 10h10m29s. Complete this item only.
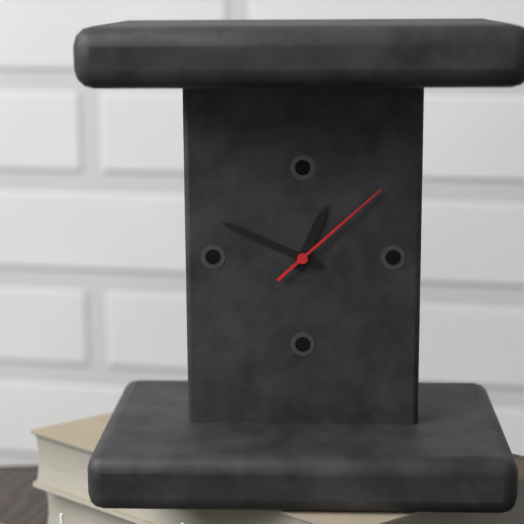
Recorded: 12h49m08s
